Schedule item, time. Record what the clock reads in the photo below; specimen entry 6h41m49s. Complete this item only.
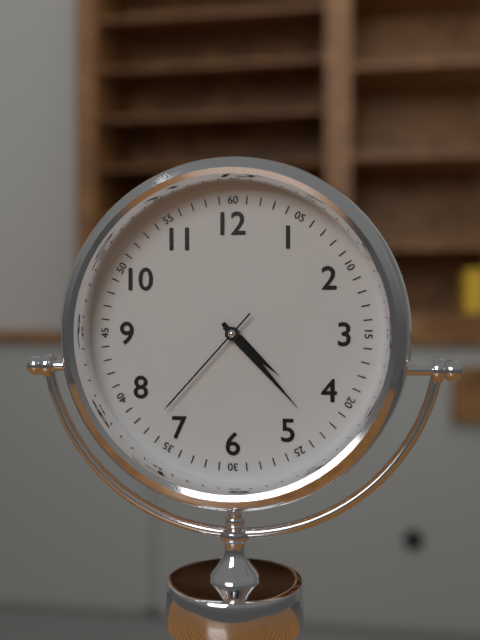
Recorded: 4h23m37s
